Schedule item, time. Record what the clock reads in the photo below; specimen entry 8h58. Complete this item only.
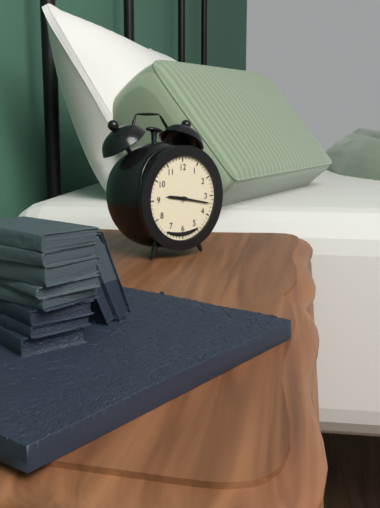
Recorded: 9h17
